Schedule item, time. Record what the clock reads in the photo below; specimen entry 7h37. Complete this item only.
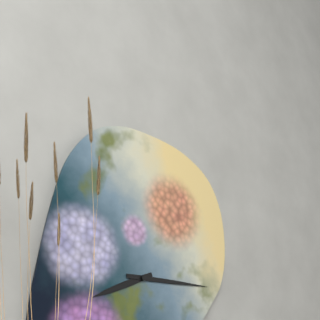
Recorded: 8h15
